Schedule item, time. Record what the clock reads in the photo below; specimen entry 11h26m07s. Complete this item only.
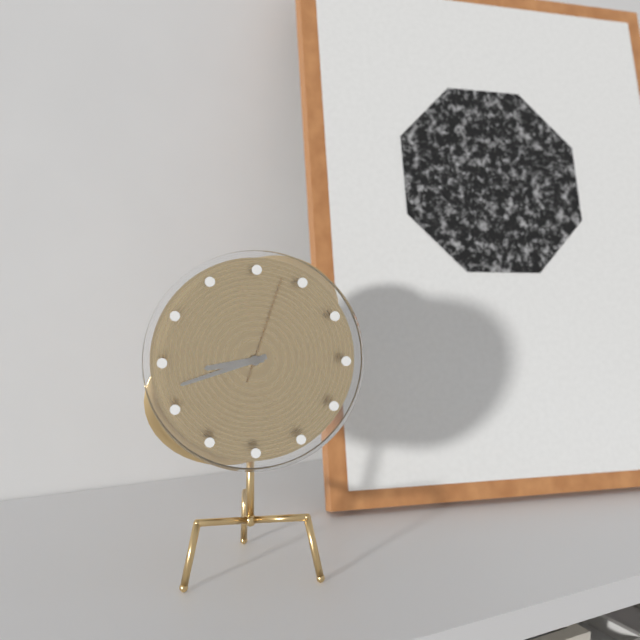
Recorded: 8h42m03s
